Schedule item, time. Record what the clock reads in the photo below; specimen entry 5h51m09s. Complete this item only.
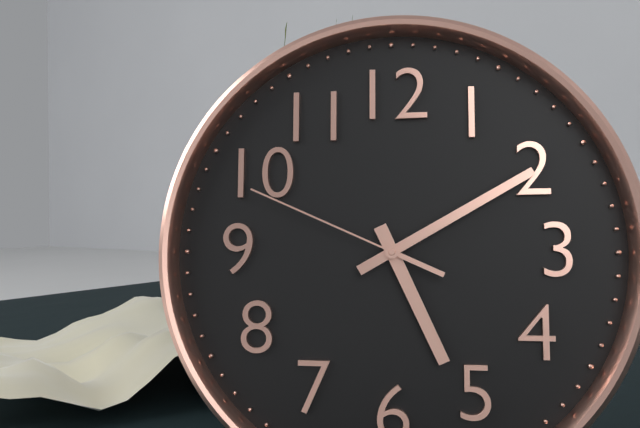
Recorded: 5h10m49s
